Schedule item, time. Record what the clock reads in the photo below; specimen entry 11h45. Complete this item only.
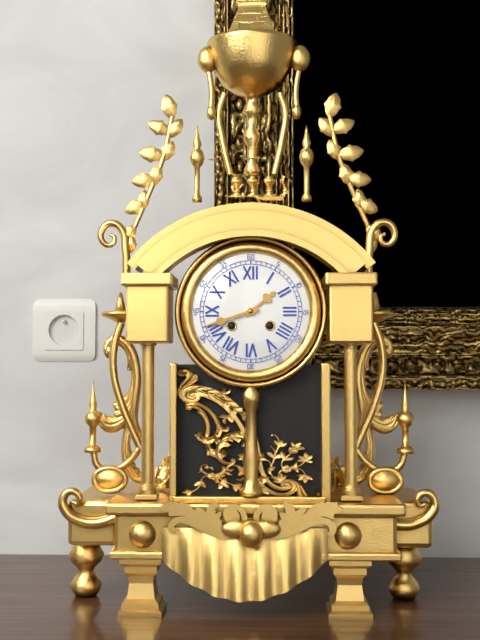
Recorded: 1h42
